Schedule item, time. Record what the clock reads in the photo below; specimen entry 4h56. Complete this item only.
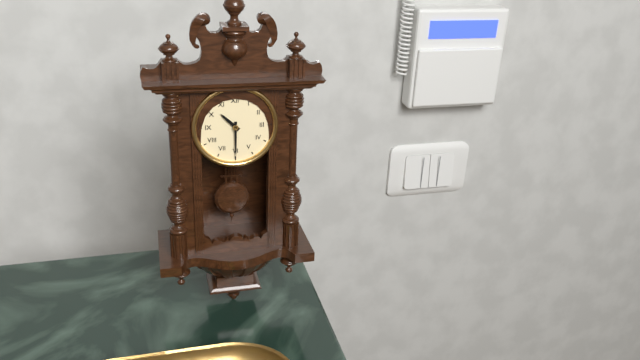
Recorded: 10h30
